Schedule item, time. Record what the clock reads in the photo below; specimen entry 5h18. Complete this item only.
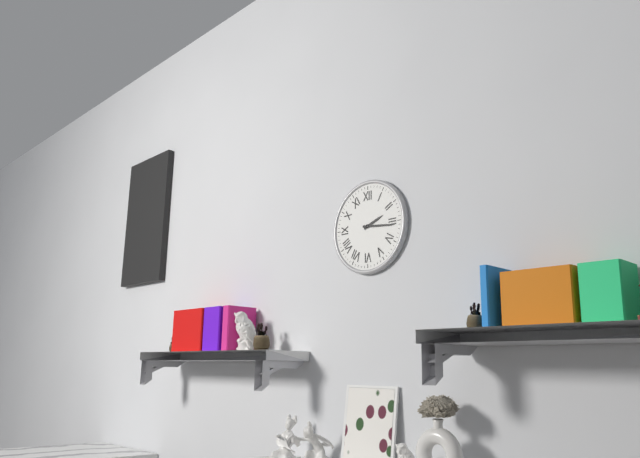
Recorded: 2h16
